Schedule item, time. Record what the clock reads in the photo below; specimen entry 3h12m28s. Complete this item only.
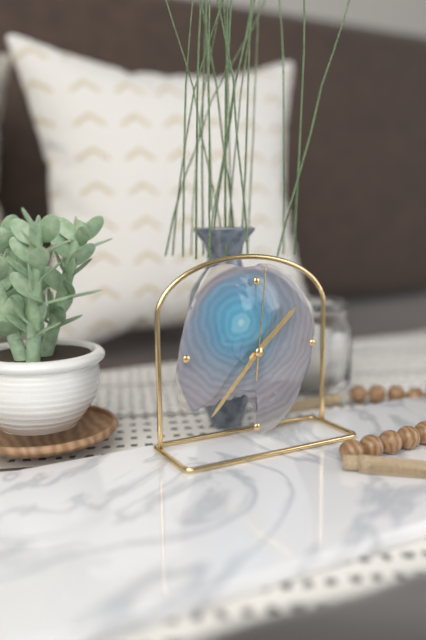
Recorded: 1h37m01s
